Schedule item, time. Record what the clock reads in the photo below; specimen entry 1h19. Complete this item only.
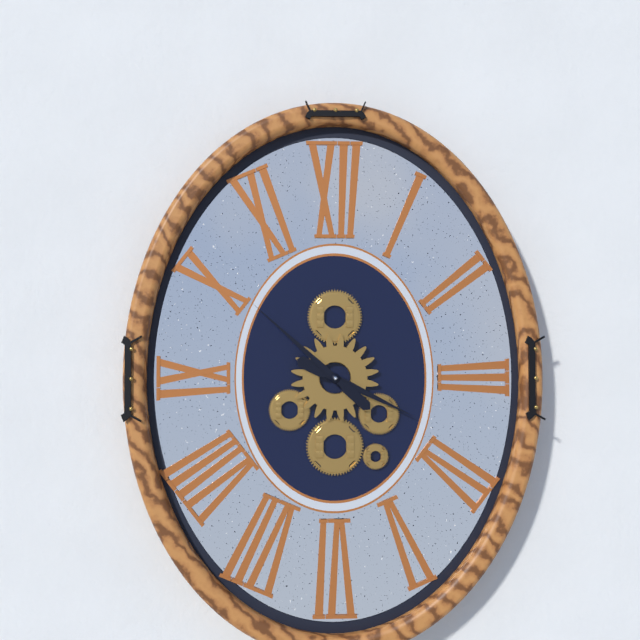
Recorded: 3h52
